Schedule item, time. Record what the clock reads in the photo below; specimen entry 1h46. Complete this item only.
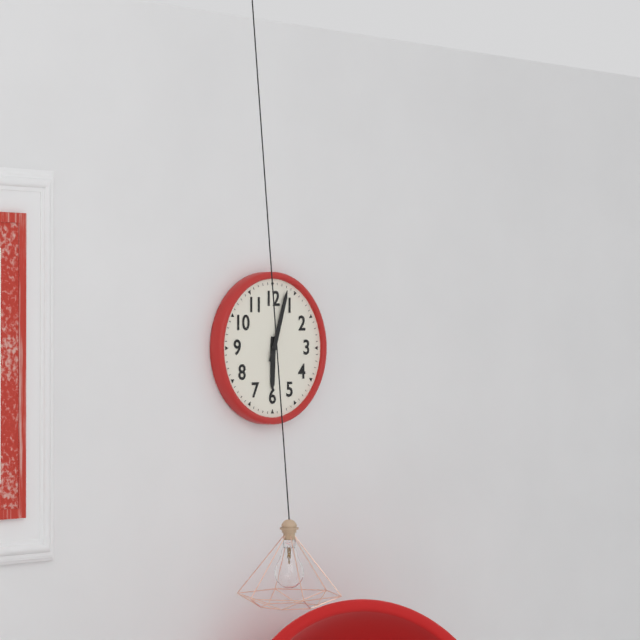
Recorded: 6h03
